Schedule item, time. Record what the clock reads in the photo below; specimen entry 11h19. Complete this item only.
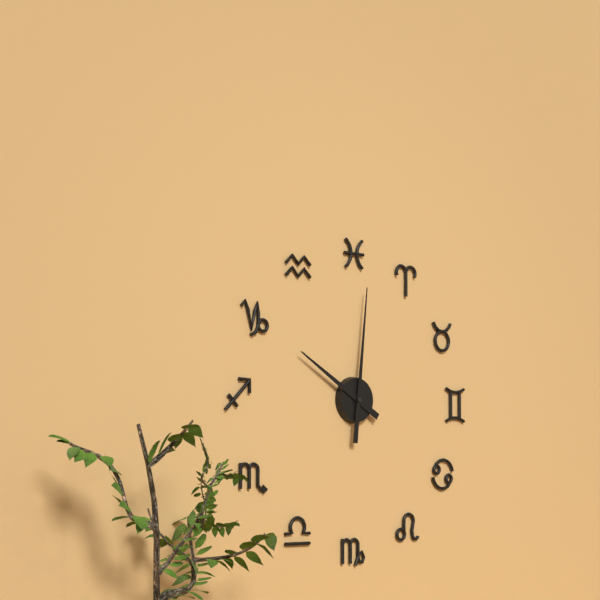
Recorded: 10h01
